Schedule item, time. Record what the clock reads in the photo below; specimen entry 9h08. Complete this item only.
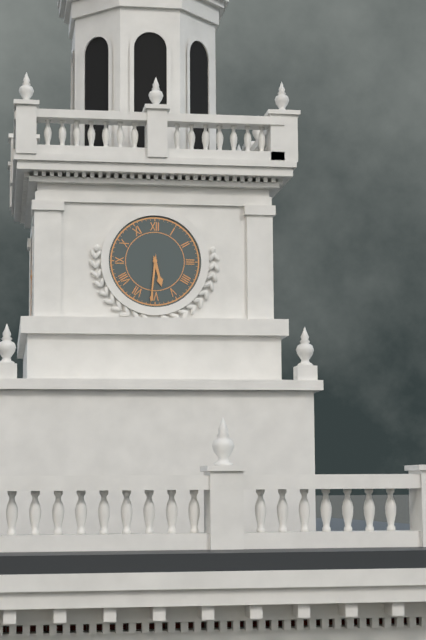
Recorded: 5h31
